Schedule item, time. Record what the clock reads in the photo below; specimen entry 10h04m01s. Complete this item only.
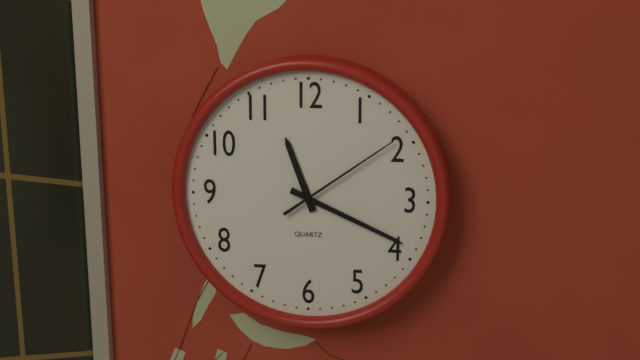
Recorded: 11h19m09s
